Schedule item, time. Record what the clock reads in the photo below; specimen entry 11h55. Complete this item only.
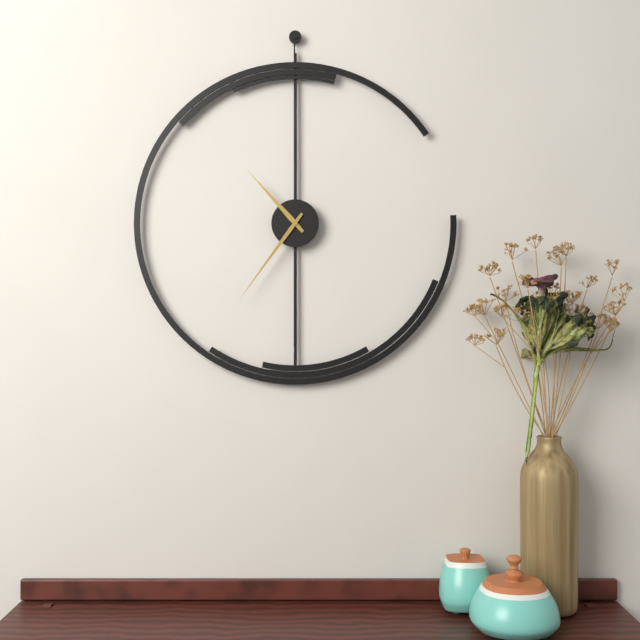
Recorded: 10h36
